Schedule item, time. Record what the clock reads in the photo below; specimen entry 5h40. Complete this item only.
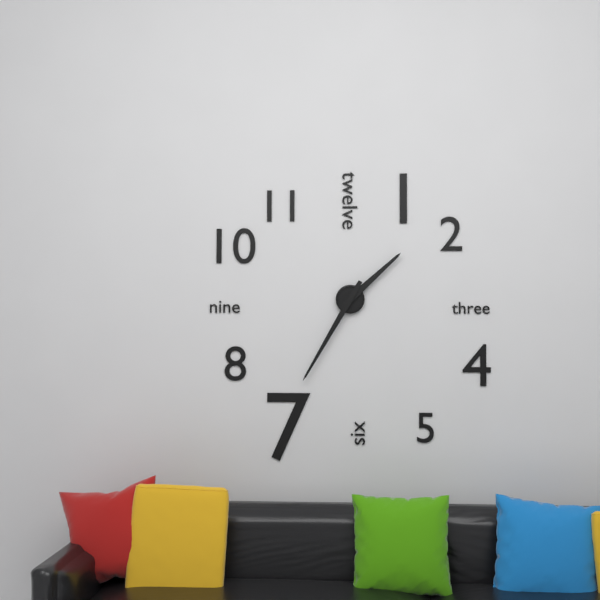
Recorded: 1h35
